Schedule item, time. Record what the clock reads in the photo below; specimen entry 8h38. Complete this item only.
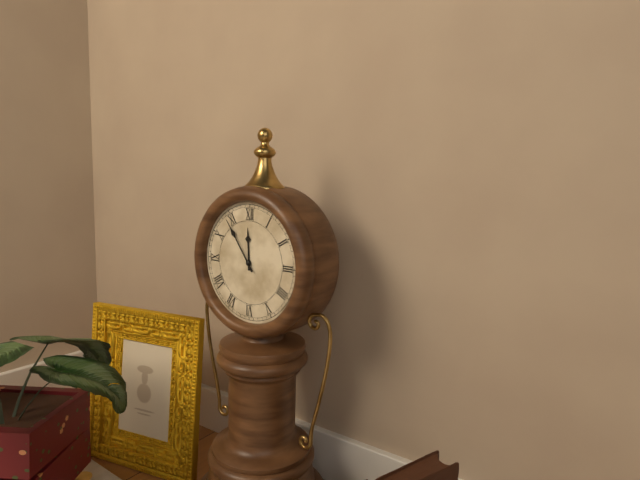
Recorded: 11h54
